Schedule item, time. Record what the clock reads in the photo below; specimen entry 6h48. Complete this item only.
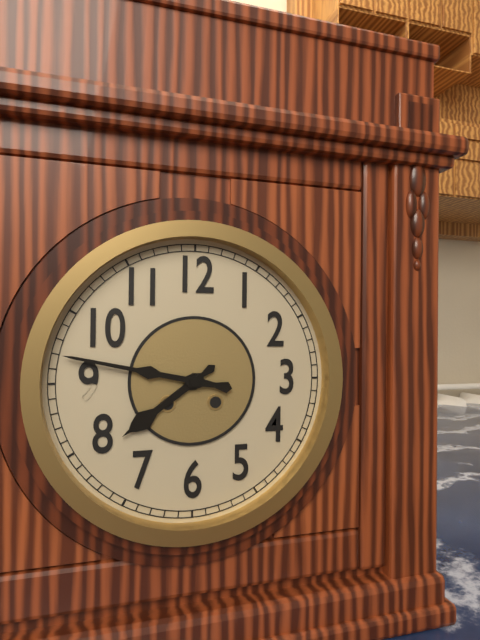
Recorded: 7h47
